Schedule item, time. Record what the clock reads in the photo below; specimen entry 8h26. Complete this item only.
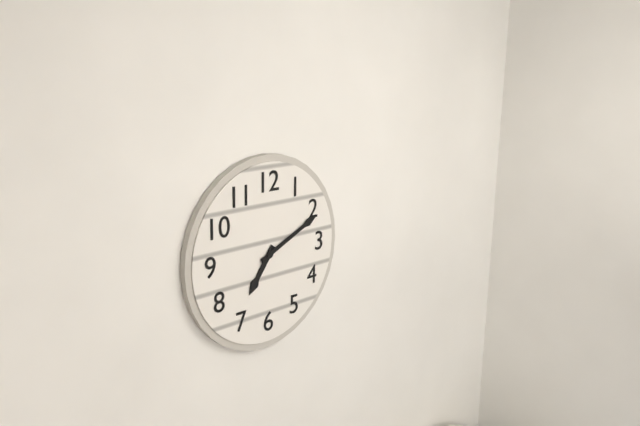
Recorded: 7h11
